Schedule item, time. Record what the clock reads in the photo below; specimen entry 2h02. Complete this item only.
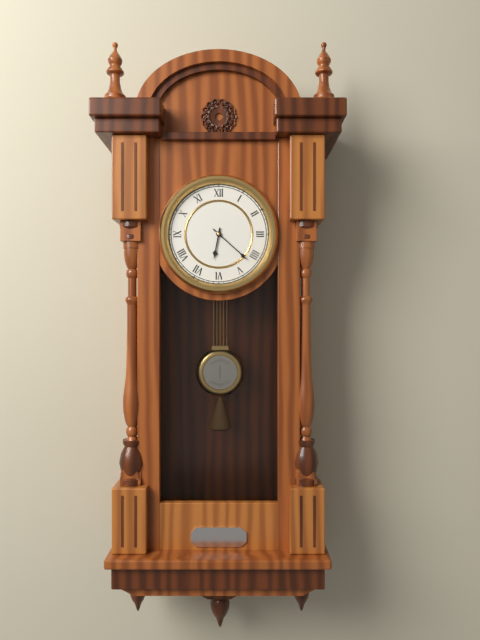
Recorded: 6h22
